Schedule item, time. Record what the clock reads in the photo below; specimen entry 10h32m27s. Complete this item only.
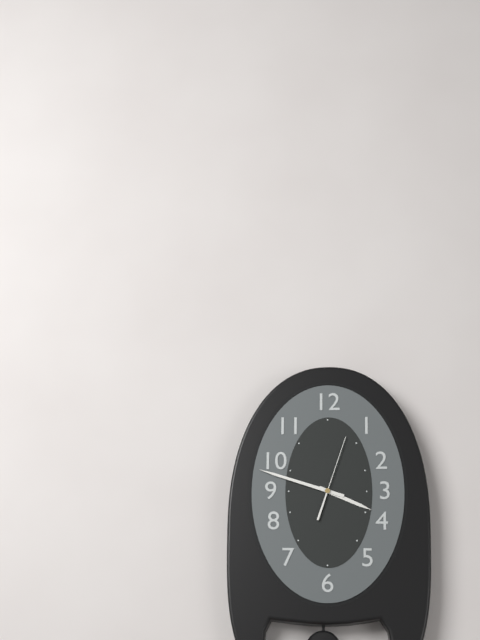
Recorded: 3h48m03s
